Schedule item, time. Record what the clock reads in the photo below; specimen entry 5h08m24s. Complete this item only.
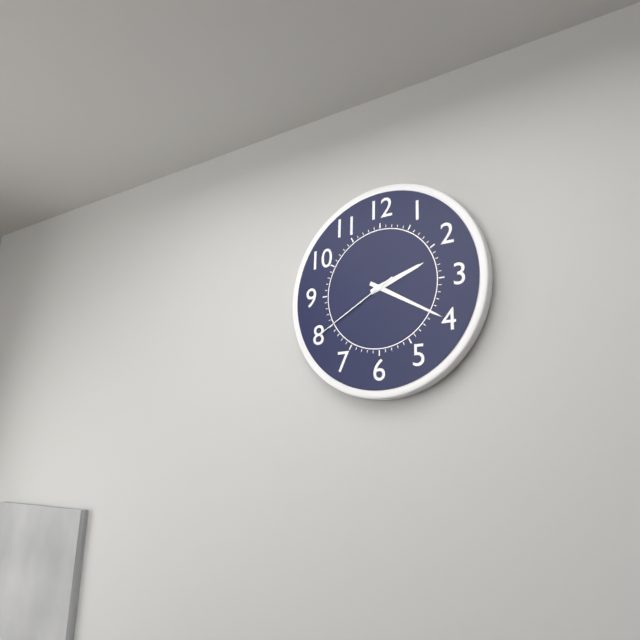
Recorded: 2h20m40s
